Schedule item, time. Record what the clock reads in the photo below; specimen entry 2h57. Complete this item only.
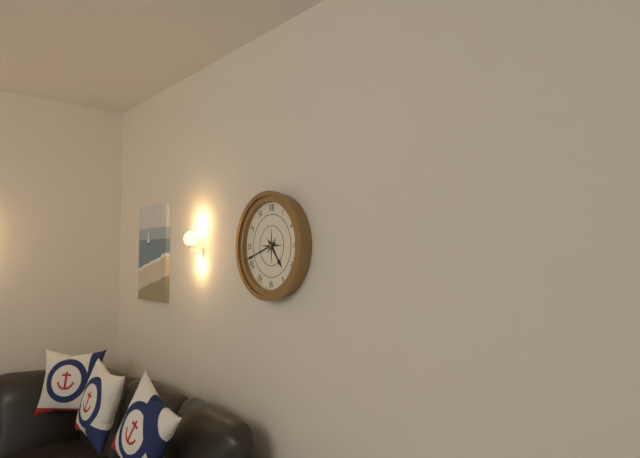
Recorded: 4h42
